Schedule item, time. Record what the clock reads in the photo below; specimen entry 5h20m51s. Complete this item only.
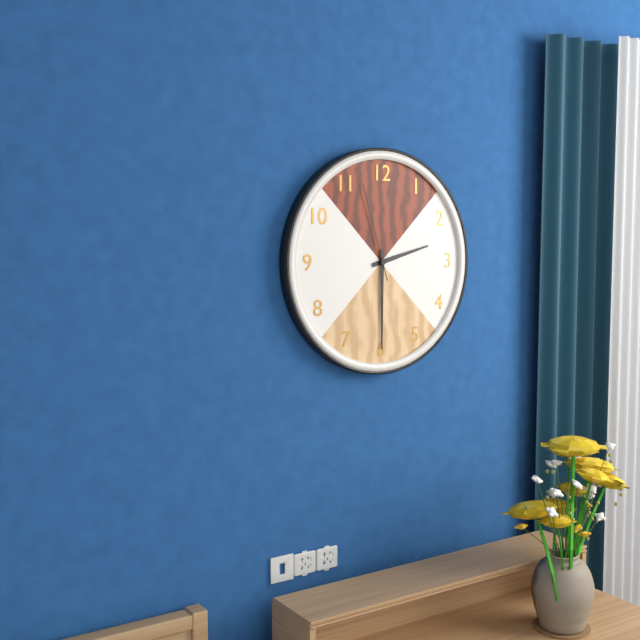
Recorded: 2h30m57s
